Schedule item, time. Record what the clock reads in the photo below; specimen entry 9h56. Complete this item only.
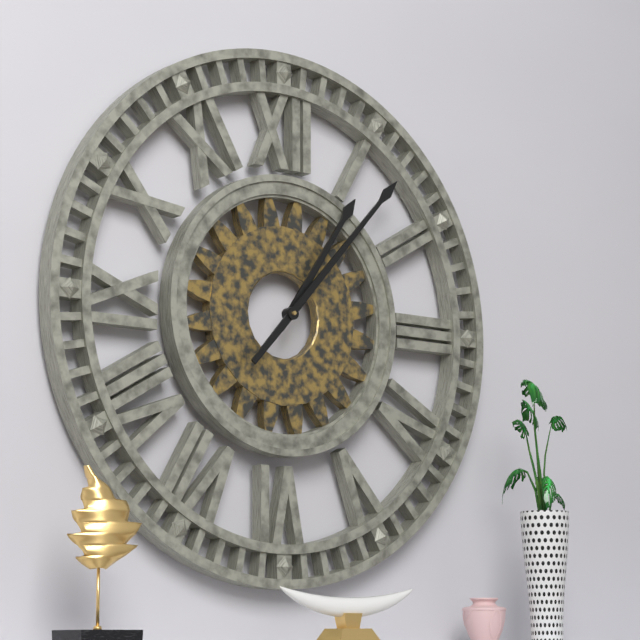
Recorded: 1h07
